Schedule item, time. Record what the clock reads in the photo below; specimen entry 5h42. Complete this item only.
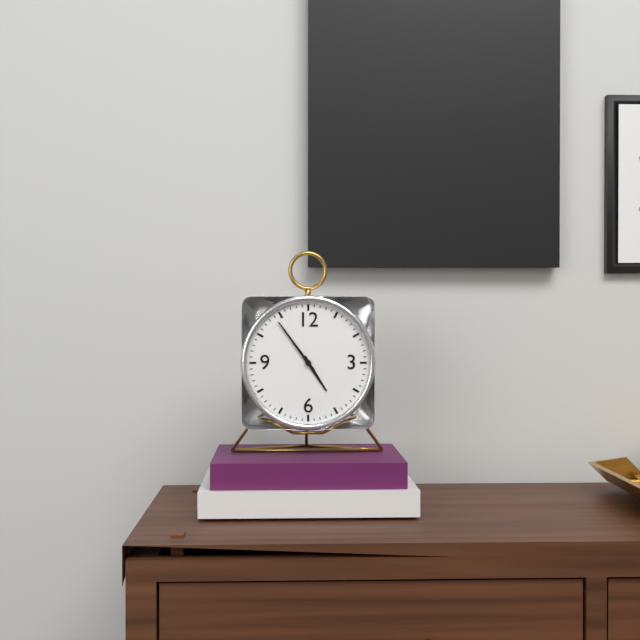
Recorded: 4h54
